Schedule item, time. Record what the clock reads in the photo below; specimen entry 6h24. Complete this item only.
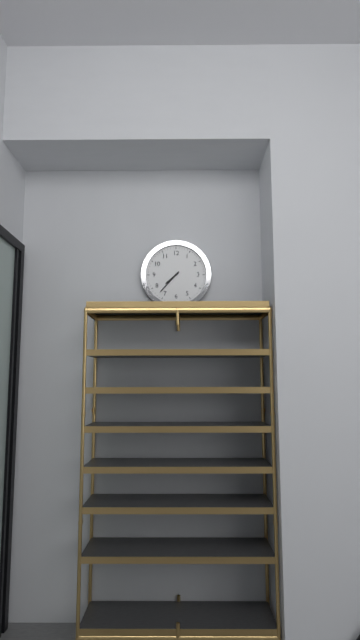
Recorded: 7h37
